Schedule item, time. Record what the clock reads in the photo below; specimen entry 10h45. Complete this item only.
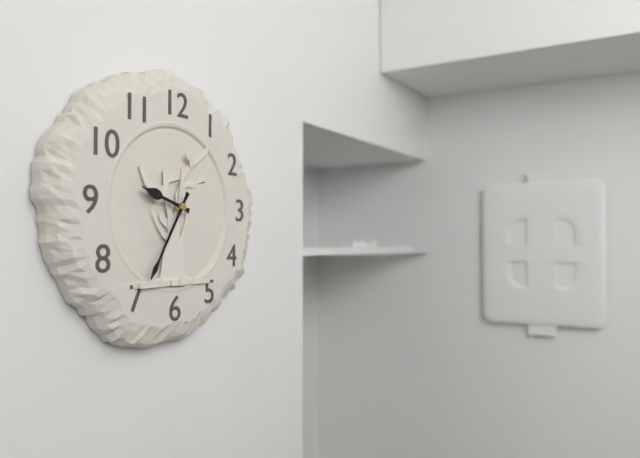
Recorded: 9h35
